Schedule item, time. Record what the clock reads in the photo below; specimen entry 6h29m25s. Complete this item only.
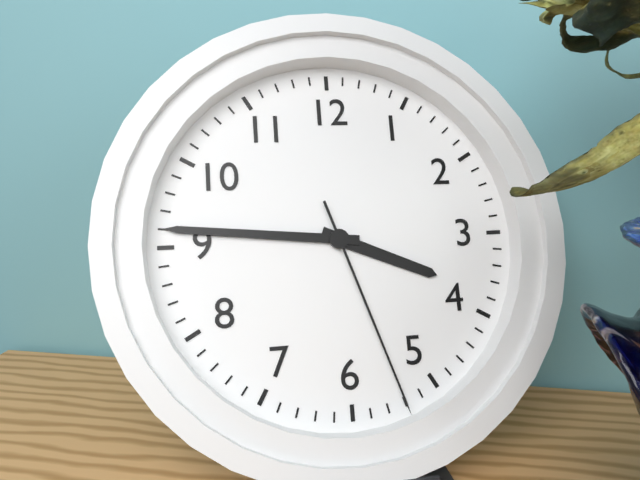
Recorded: 3h46m27s
